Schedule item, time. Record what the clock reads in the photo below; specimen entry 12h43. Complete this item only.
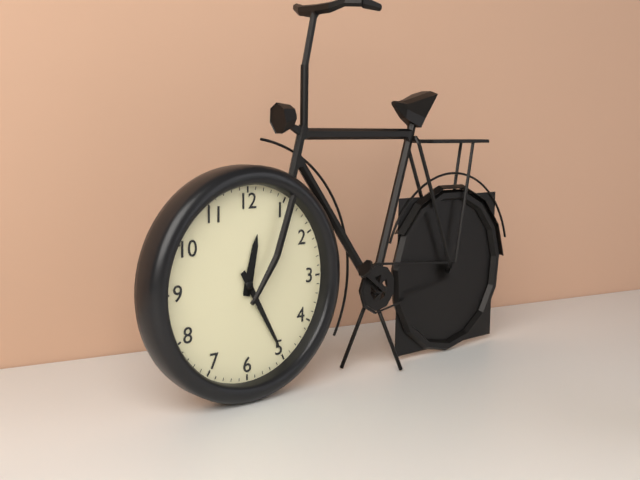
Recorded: 12h25
